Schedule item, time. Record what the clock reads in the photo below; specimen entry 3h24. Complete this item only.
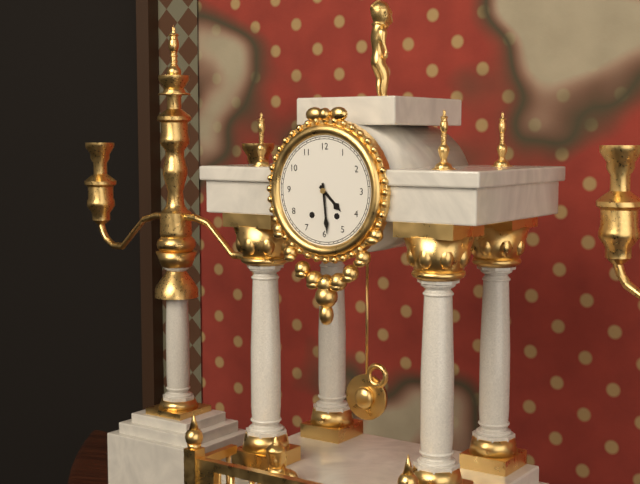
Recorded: 4h29
